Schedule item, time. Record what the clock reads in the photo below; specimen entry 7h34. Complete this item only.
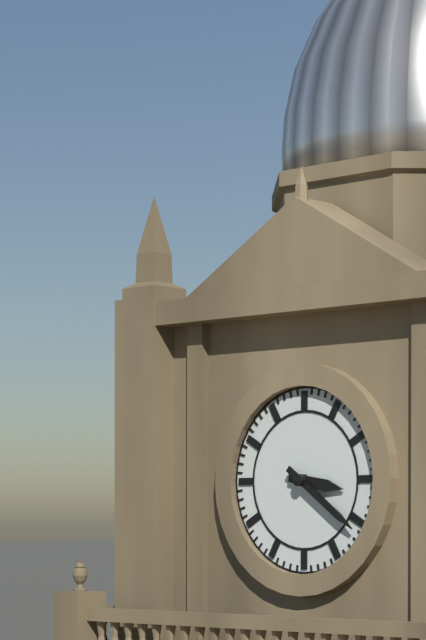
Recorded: 3h21
